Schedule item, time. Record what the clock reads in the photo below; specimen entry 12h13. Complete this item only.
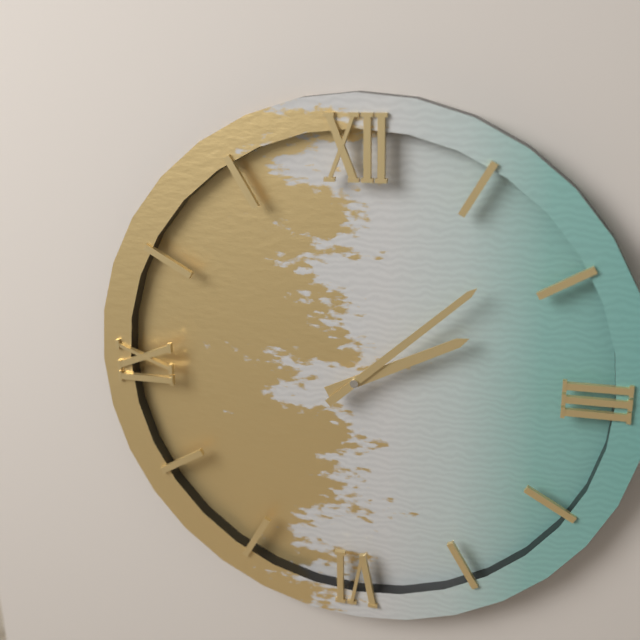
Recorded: 2h08
